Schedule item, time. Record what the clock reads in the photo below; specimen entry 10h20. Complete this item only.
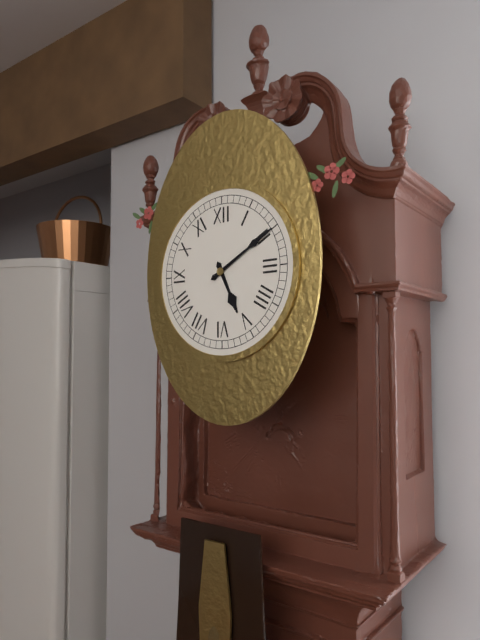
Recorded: 5h10
